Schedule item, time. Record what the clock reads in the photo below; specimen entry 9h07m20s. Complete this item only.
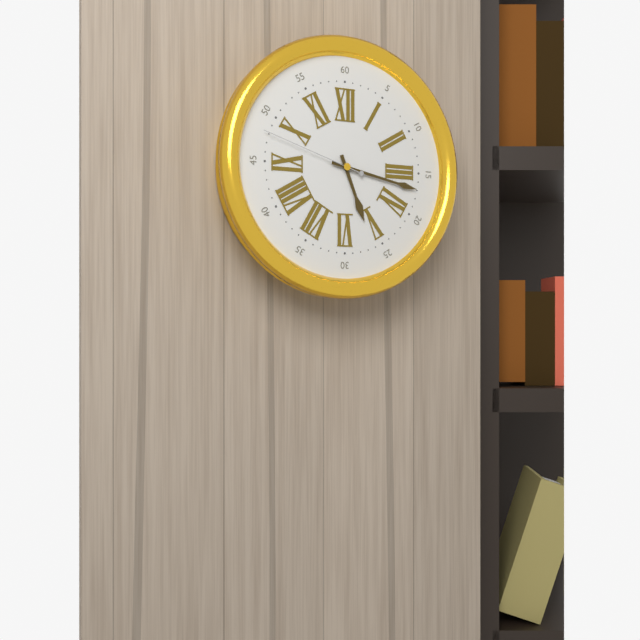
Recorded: 5h17m48s
